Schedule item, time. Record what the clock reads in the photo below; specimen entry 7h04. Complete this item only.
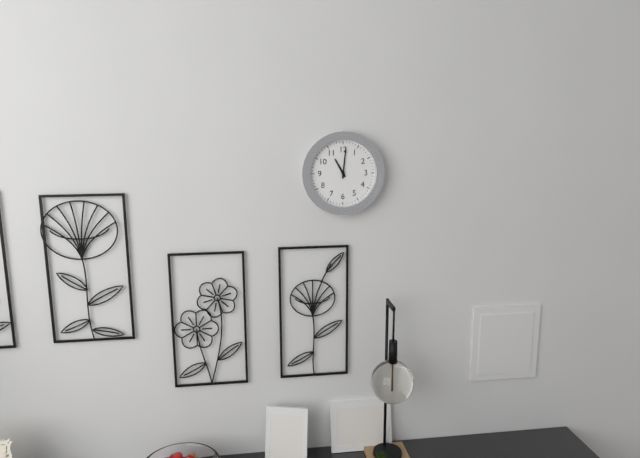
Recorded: 11h01
